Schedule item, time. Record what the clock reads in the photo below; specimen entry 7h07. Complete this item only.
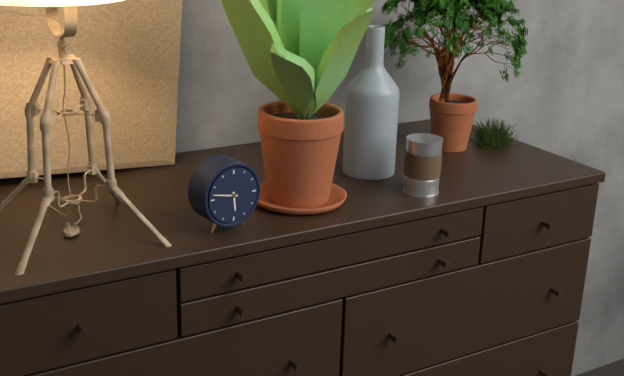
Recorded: 5h47
